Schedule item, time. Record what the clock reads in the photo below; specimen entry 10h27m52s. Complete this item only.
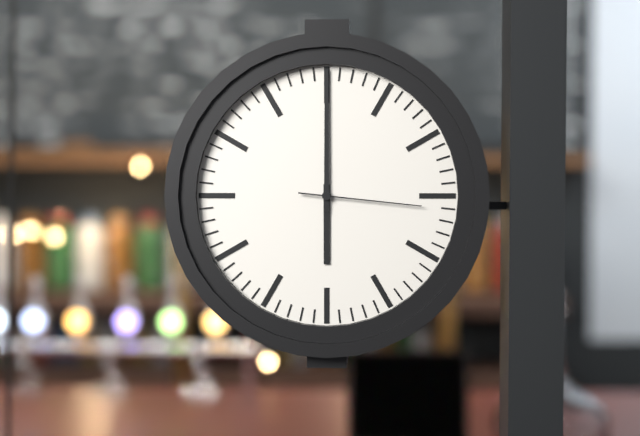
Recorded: 6h00m16s
